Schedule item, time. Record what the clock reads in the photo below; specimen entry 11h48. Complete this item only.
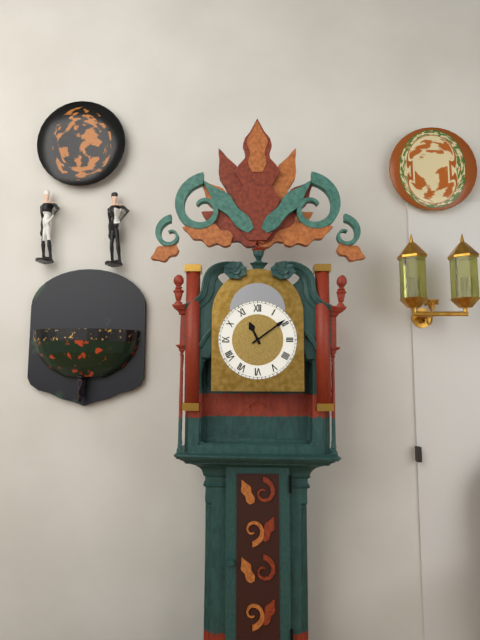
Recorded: 11h09
